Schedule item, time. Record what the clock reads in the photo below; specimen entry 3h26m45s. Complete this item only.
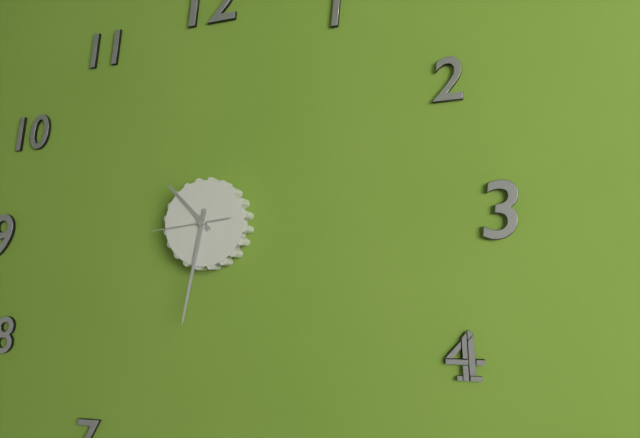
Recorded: 10h32m44s
